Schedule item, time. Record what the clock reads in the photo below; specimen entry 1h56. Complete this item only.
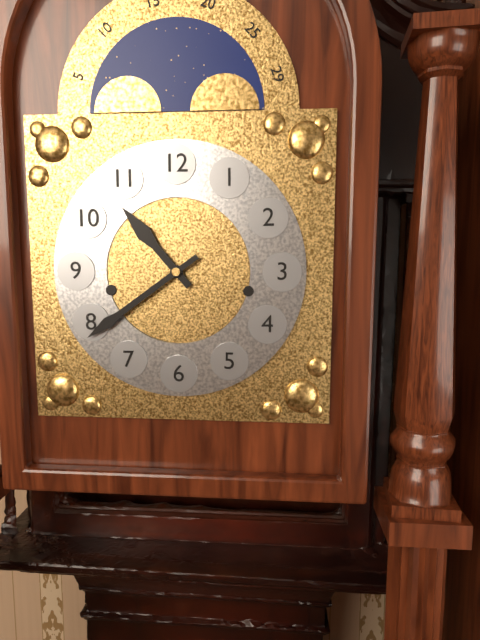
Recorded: 10h39
